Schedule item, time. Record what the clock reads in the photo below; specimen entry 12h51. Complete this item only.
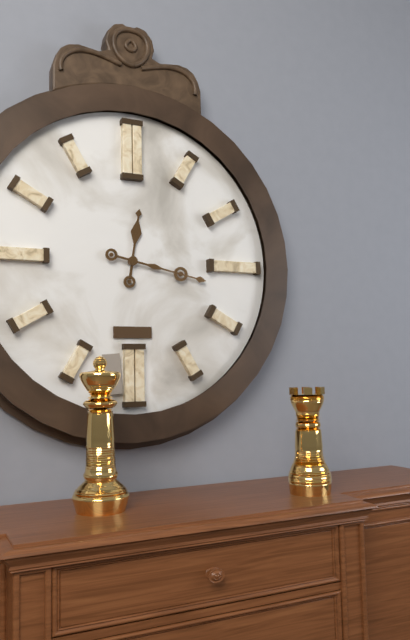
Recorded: 12h17
